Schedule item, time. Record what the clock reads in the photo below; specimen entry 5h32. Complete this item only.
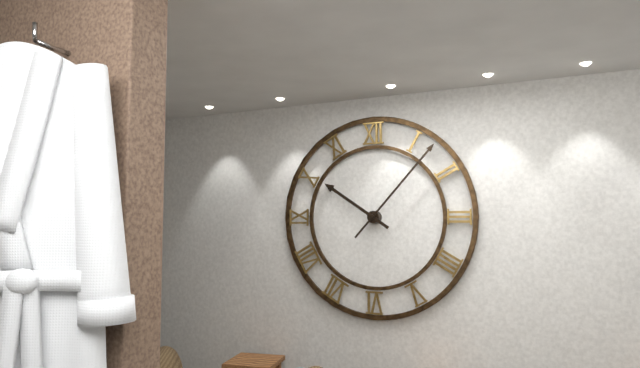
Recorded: 10h07
